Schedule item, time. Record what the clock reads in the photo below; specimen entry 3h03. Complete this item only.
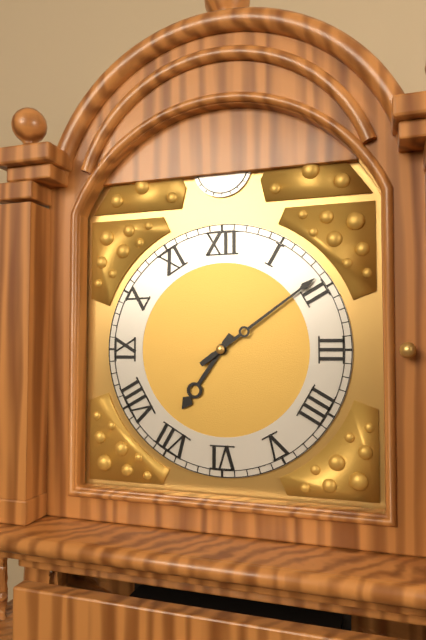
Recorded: 7h09
